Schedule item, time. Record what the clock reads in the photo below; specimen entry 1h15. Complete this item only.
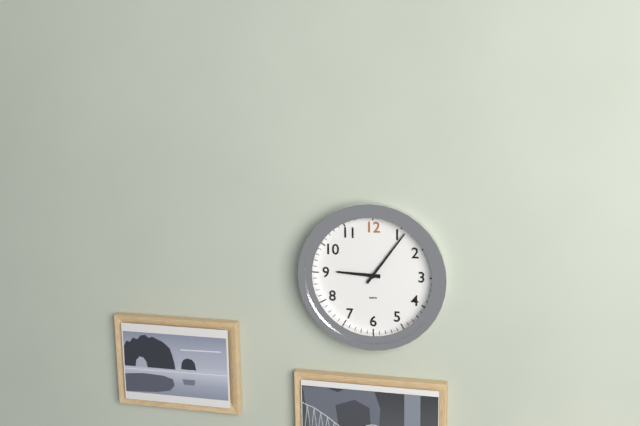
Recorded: 9h06
